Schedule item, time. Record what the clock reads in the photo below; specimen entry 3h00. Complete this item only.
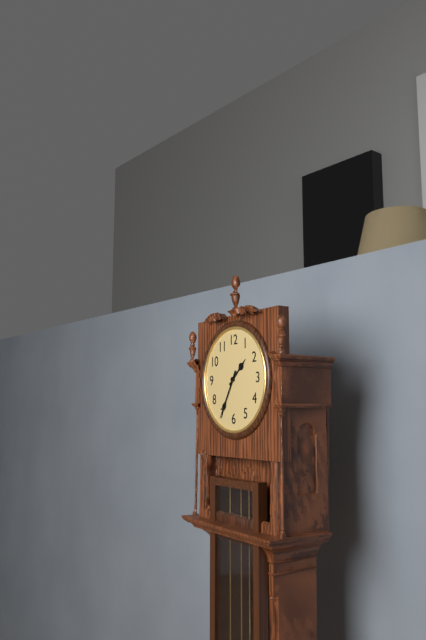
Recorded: 1h35
